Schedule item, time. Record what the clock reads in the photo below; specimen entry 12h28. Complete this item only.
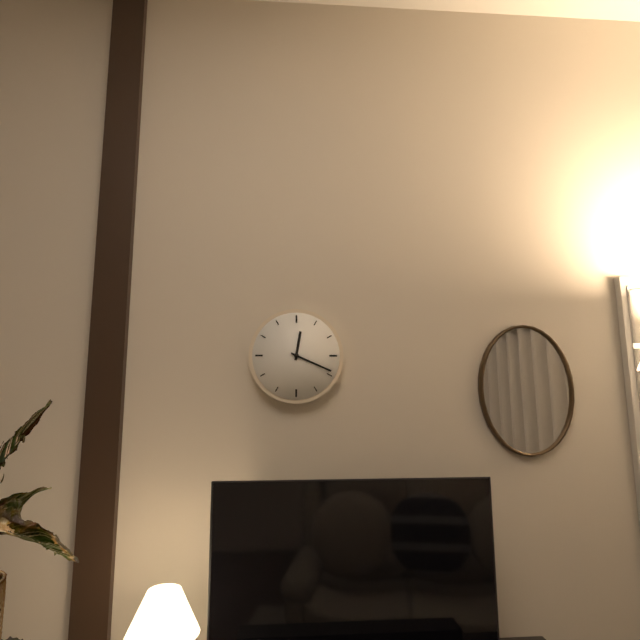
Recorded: 12h19
